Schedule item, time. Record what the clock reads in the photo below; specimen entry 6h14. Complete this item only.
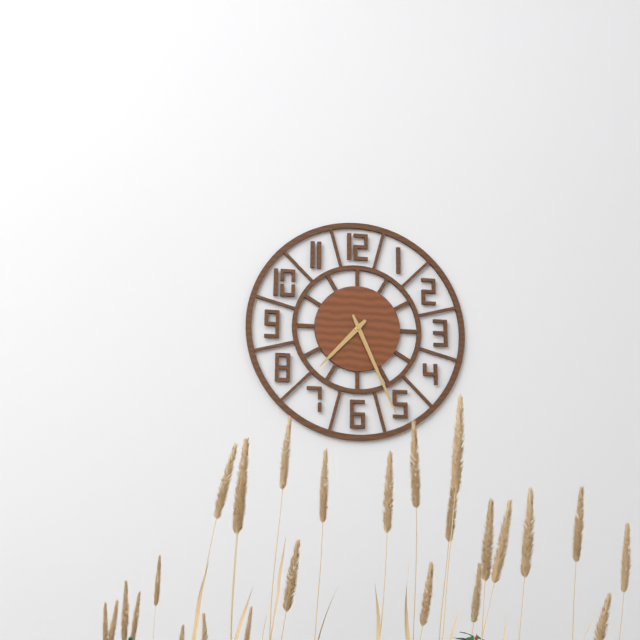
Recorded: 7h26
